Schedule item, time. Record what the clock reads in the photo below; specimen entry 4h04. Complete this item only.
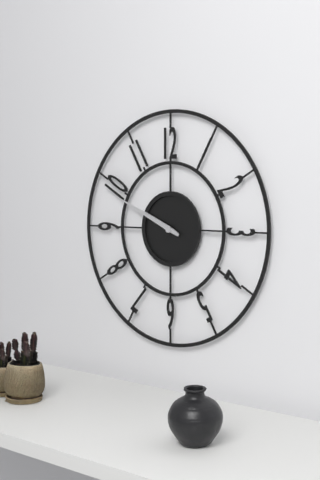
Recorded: 9h49
